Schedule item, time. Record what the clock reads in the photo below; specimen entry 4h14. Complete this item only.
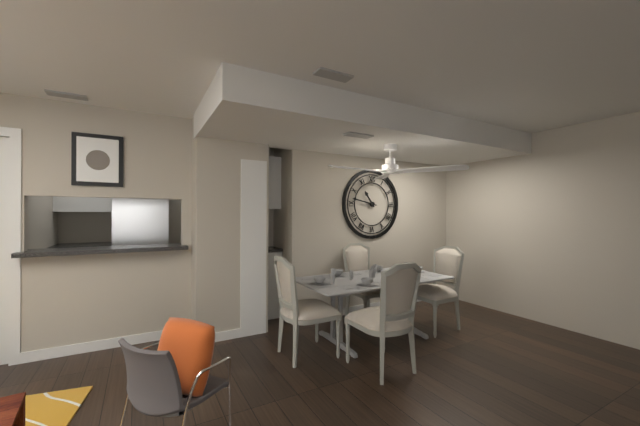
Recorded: 10h47
